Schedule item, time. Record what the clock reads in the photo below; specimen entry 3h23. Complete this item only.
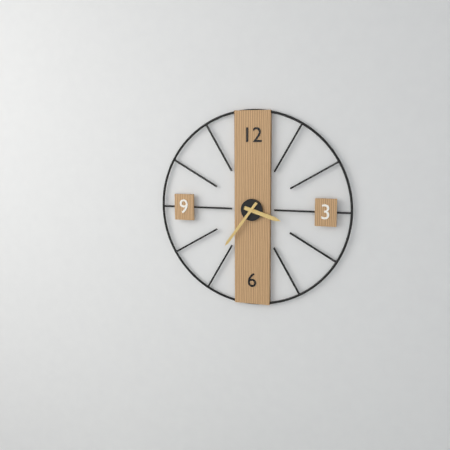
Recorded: 3h36
